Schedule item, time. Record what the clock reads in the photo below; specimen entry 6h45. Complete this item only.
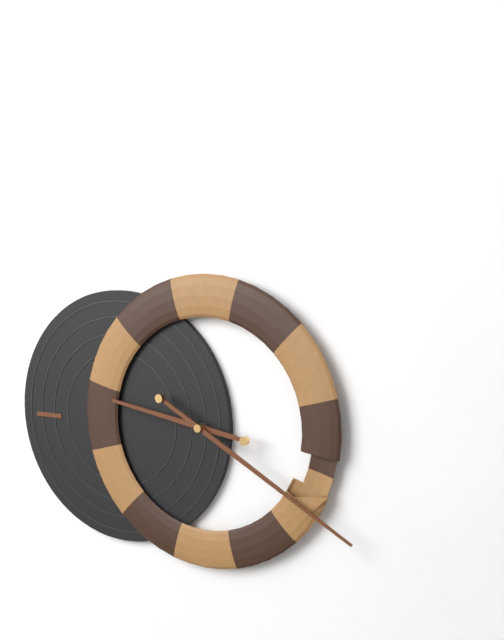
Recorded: 9h20
